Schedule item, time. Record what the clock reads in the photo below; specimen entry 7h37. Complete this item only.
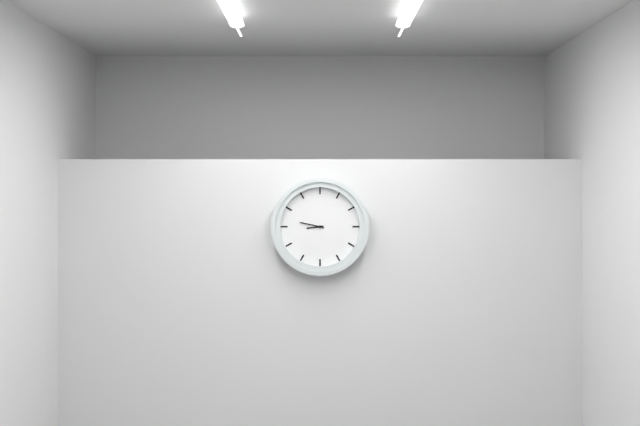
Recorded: 8h47
